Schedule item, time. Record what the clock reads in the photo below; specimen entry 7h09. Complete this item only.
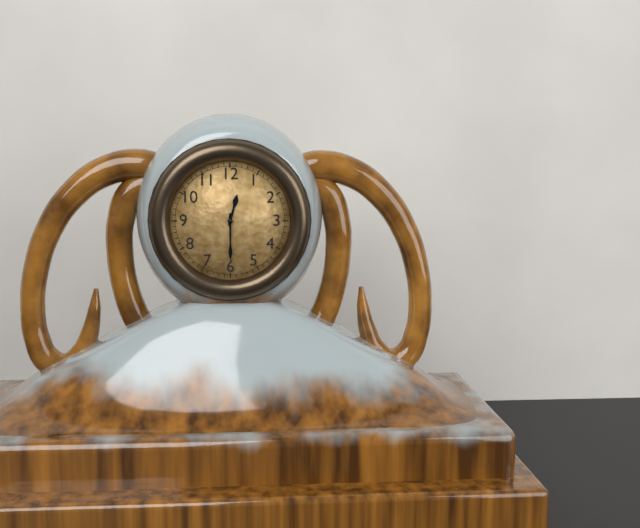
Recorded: 12h30
